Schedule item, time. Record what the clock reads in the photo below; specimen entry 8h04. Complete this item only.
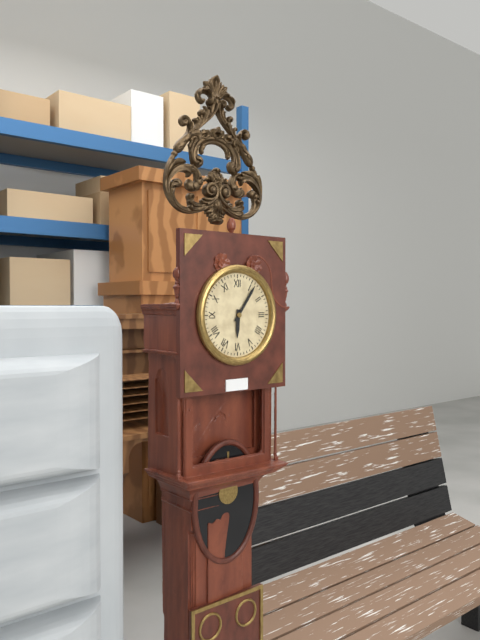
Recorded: 6h06
